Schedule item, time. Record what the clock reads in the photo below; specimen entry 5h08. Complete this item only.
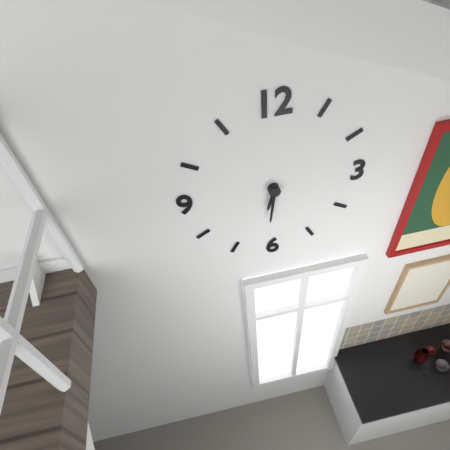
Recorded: 6h31
